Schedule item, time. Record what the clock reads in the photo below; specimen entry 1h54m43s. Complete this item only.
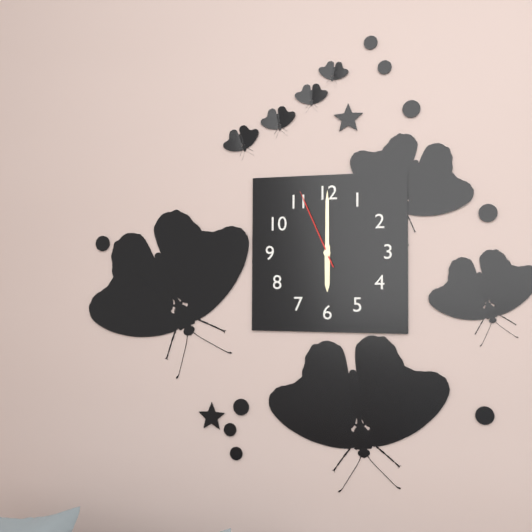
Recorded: 6h00m56s
